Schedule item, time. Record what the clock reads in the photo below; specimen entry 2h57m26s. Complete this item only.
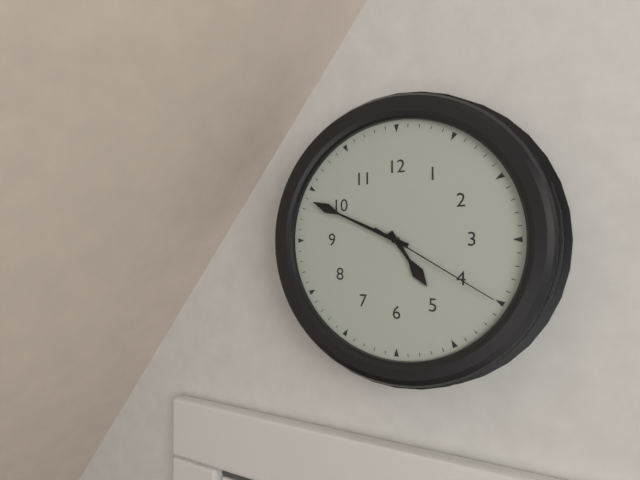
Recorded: 4h49m20s
